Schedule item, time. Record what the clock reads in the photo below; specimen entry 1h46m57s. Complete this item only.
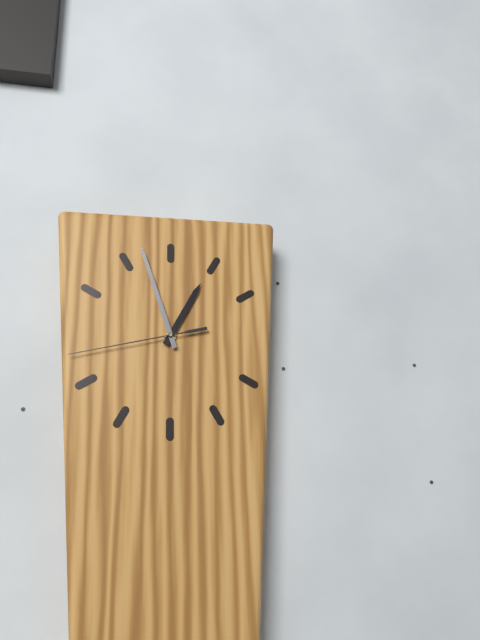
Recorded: 12h57m43s
